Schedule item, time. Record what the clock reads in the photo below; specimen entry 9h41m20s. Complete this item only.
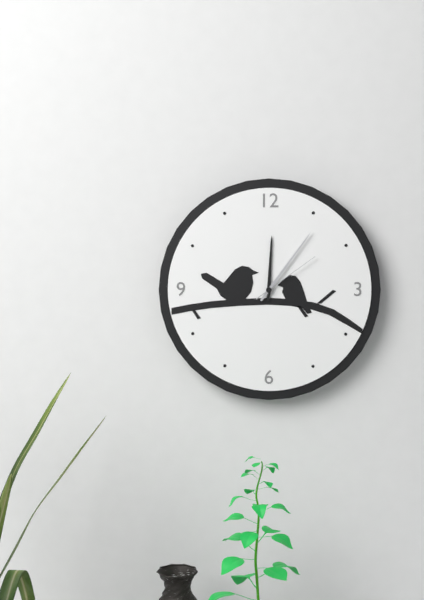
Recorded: 12h06m09s
